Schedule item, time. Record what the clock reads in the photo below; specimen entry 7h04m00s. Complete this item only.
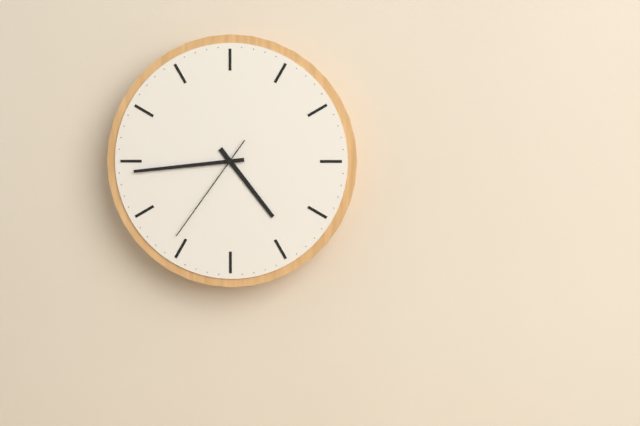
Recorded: 4h44m36s
